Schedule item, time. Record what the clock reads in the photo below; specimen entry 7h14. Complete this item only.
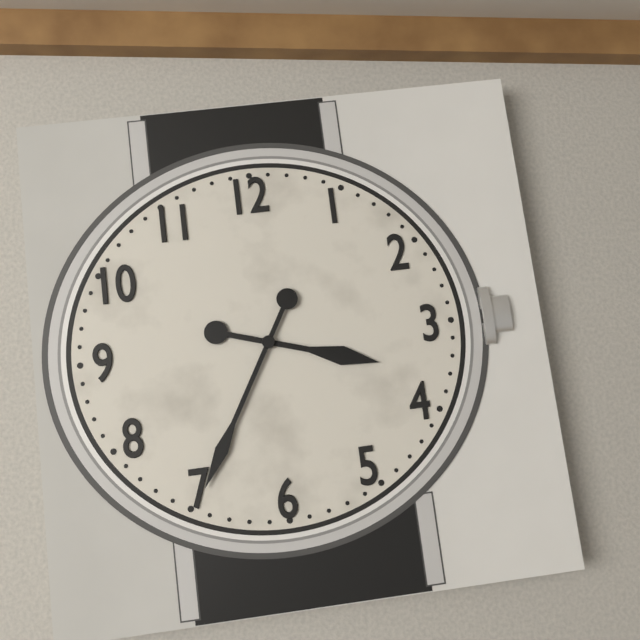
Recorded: 3h35
